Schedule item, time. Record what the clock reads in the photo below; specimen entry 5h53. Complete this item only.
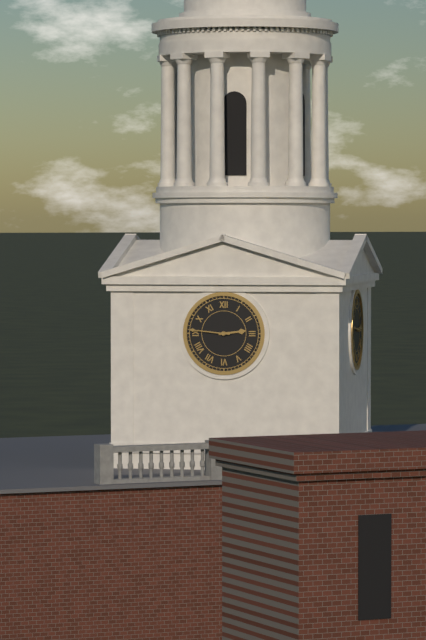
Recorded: 2h46
